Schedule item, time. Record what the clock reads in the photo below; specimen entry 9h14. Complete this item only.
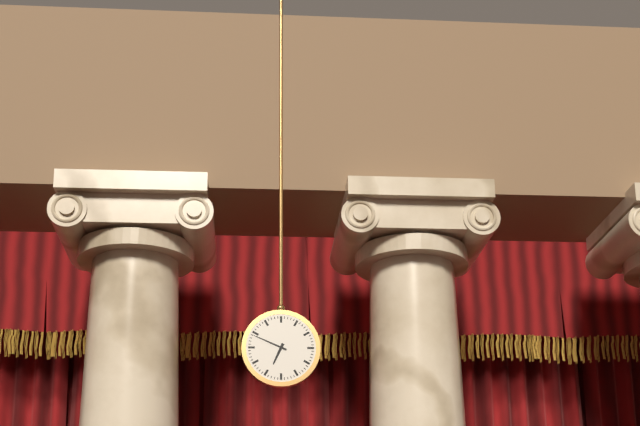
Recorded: 6h49
